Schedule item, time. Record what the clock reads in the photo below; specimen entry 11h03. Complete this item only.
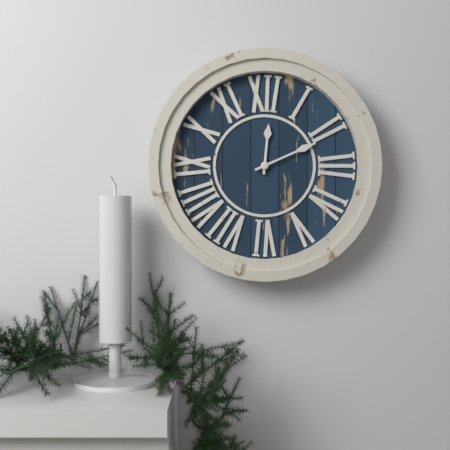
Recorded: 12h11
